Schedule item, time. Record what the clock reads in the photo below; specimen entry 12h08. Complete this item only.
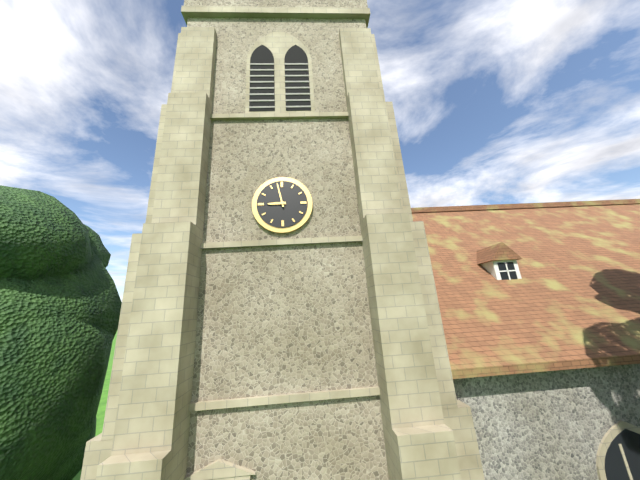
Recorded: 8h58
